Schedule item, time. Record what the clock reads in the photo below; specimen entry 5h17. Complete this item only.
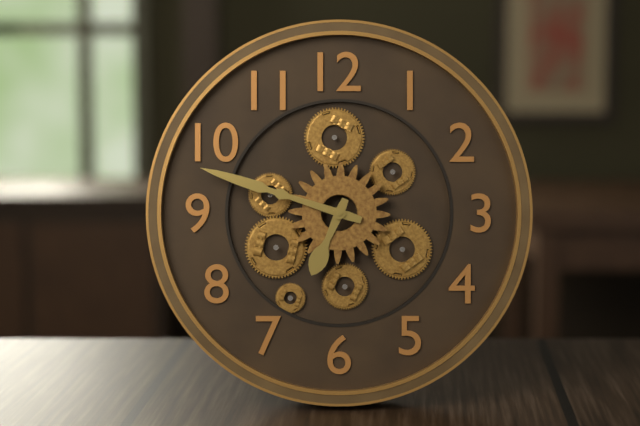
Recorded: 6h48
